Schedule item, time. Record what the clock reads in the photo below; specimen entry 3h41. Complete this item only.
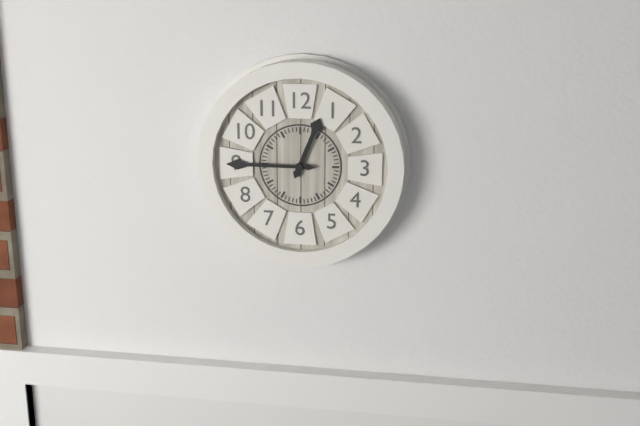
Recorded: 12h45
